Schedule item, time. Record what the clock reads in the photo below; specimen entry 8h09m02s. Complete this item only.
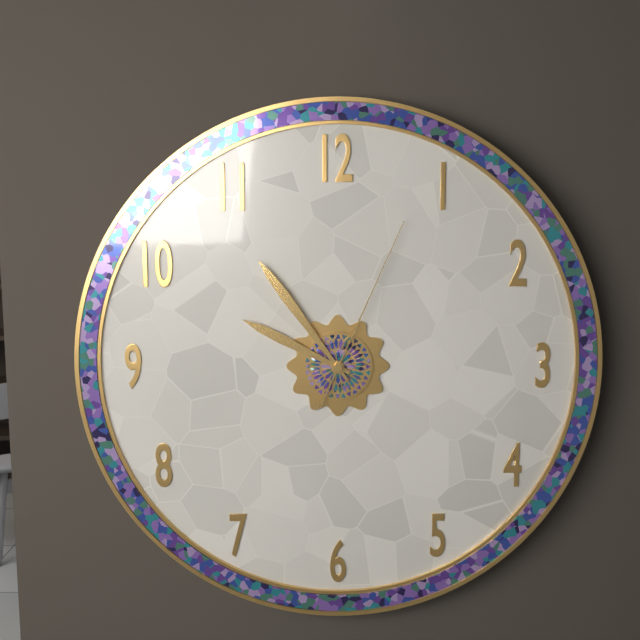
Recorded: 9h54m04s
